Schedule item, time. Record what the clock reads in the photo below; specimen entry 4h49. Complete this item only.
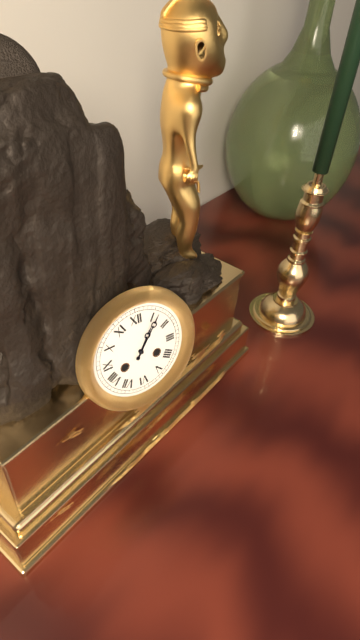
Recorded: 1h06
